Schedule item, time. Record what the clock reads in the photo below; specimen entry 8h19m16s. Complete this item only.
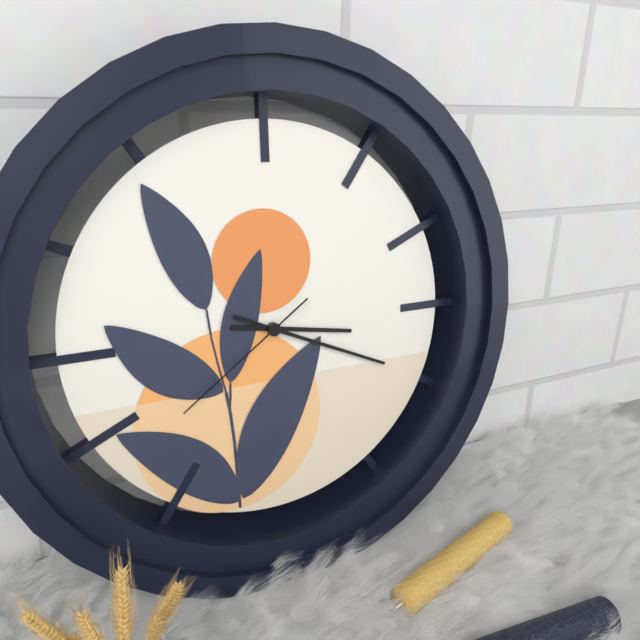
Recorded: 3h19m39s
